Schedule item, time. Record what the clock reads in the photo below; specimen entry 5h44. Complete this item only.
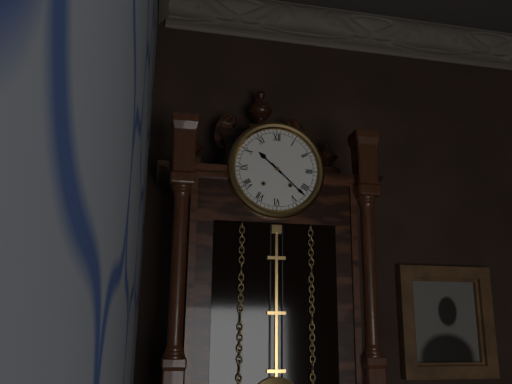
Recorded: 10h22
